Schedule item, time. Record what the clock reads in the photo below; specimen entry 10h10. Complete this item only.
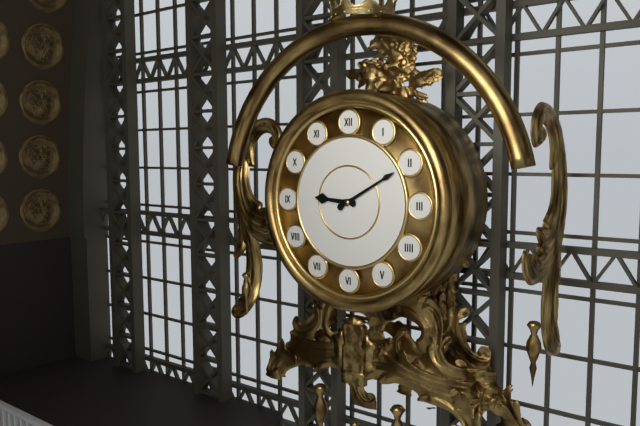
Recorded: 9h10
